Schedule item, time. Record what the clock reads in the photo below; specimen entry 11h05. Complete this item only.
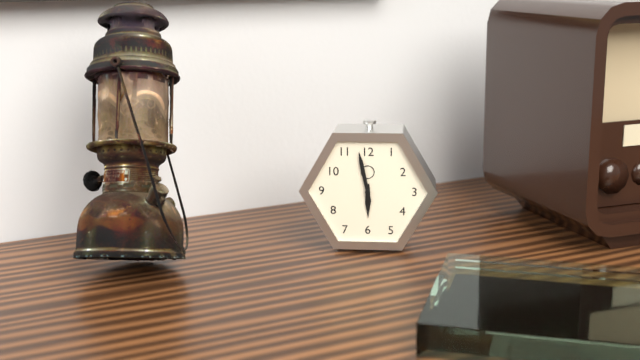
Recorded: 5h58
